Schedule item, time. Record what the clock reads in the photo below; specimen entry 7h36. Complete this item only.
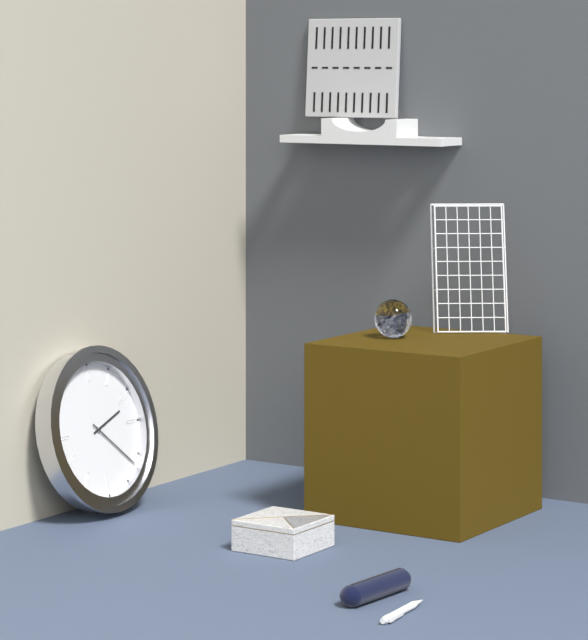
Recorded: 2h22
